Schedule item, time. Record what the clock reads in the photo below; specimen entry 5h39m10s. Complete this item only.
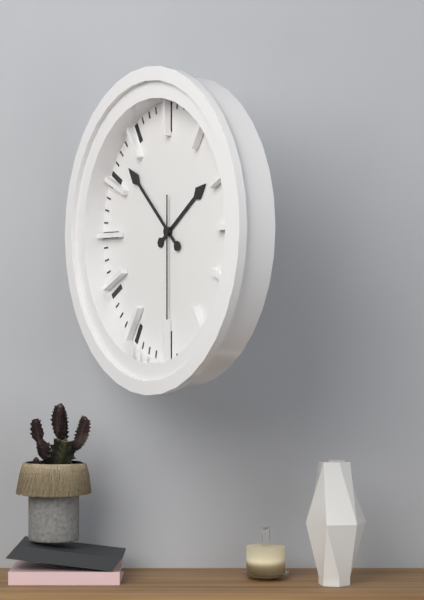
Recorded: 1h52m30s
